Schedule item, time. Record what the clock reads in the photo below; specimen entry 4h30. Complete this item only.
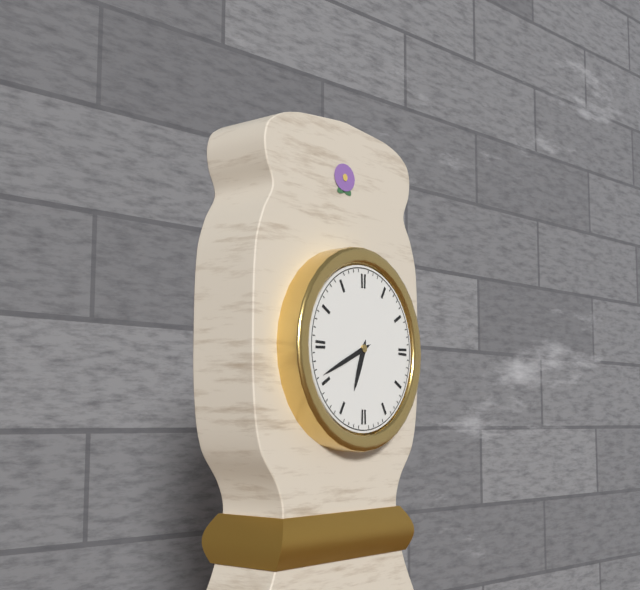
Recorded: 6h41
